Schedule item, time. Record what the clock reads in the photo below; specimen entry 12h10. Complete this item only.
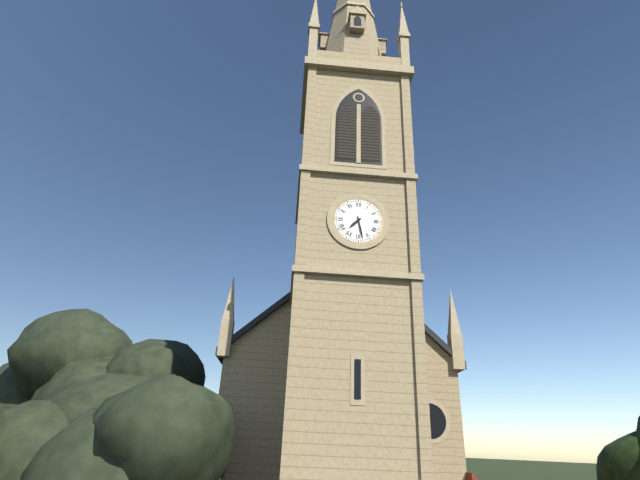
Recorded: 7h28
